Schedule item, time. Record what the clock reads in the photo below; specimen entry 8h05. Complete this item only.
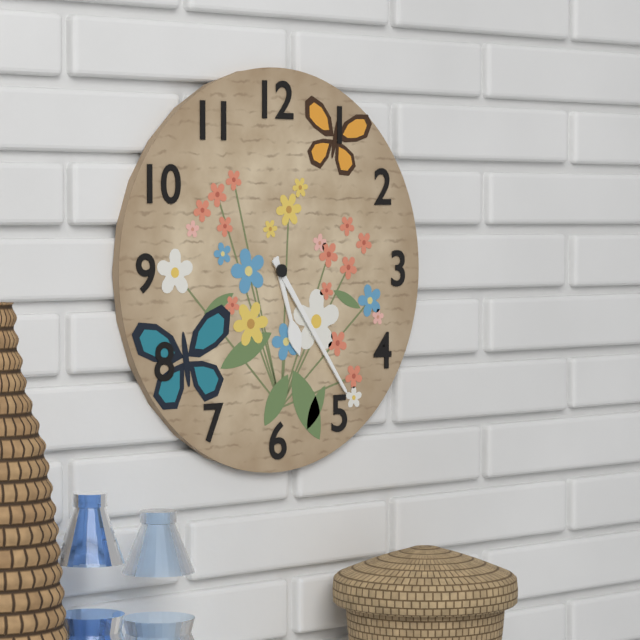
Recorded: 5h24
